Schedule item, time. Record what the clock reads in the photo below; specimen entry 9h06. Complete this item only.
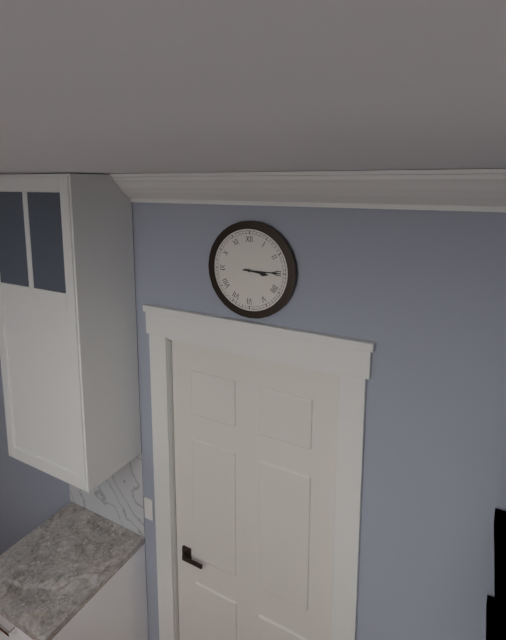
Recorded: 3h15
